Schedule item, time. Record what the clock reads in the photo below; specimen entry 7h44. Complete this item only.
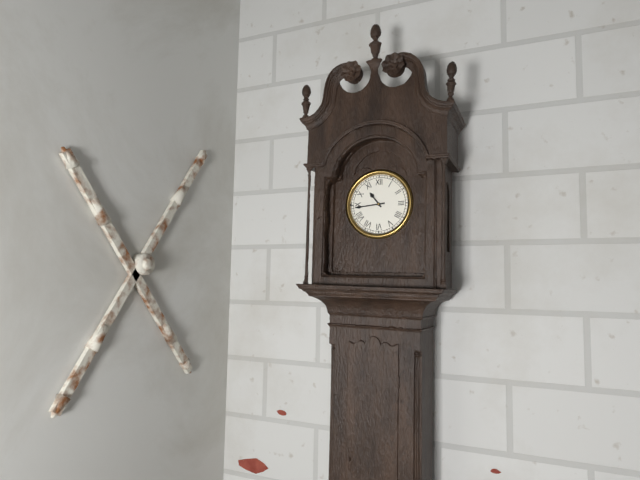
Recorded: 10h44
